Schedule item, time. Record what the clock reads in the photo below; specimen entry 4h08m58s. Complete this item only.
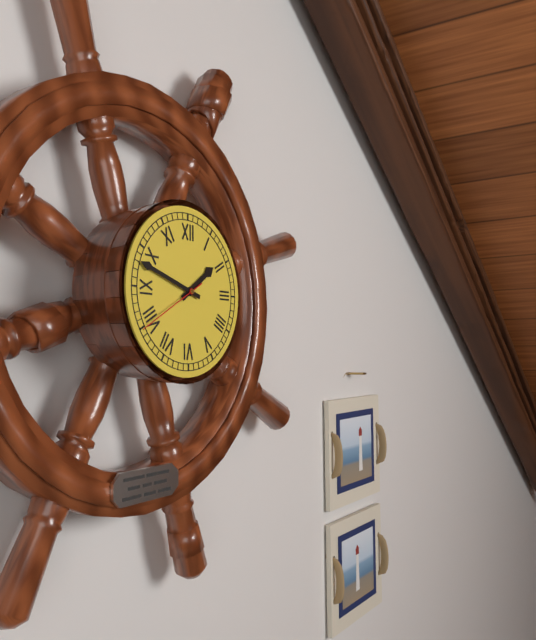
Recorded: 1h48m40s
